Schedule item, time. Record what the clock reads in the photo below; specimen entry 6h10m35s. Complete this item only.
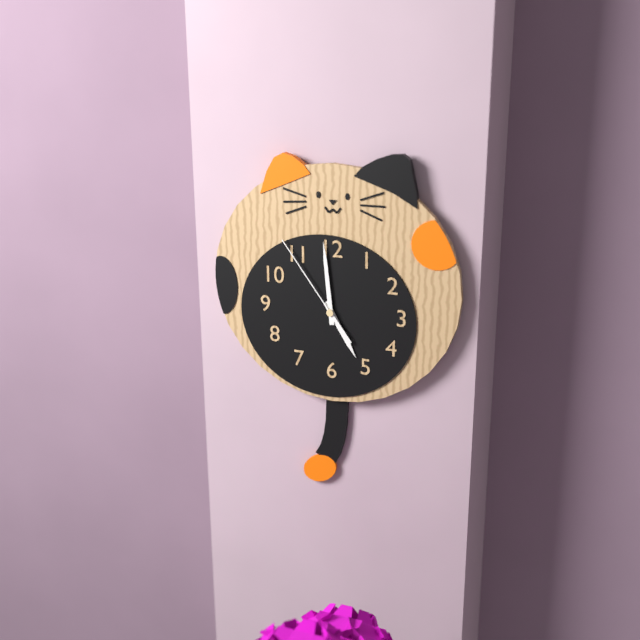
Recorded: 4h59m54s
